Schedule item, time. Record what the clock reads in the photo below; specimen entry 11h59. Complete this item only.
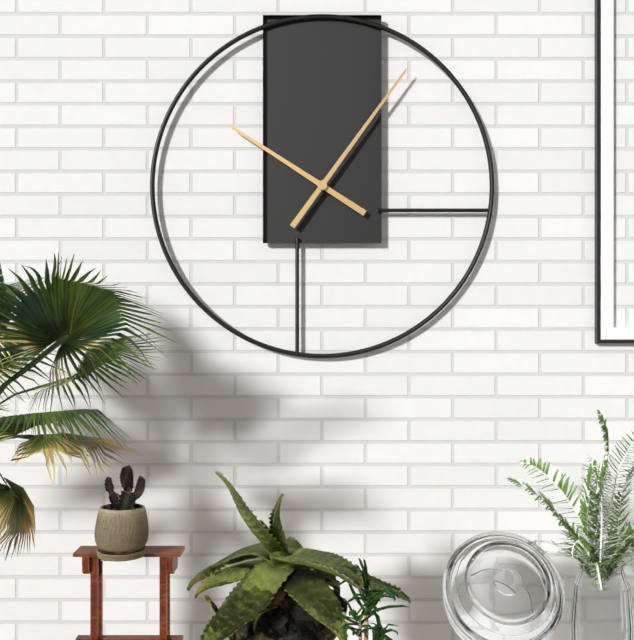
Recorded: 10h06
